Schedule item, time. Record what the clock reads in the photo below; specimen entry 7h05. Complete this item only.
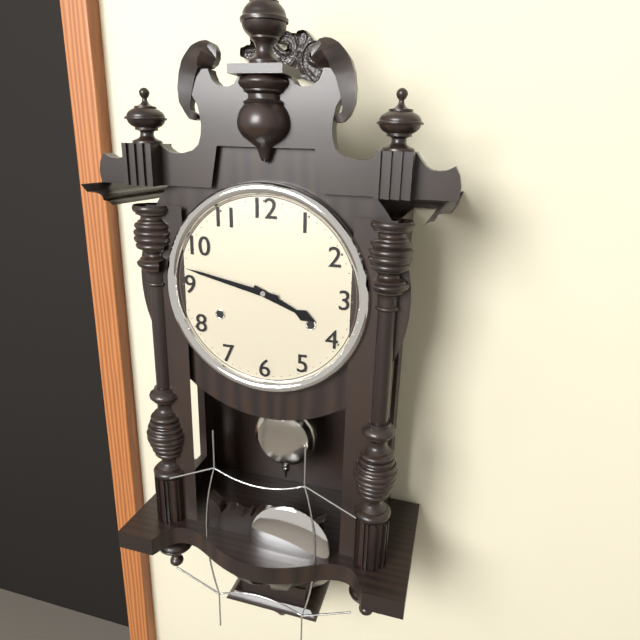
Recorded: 3h47
